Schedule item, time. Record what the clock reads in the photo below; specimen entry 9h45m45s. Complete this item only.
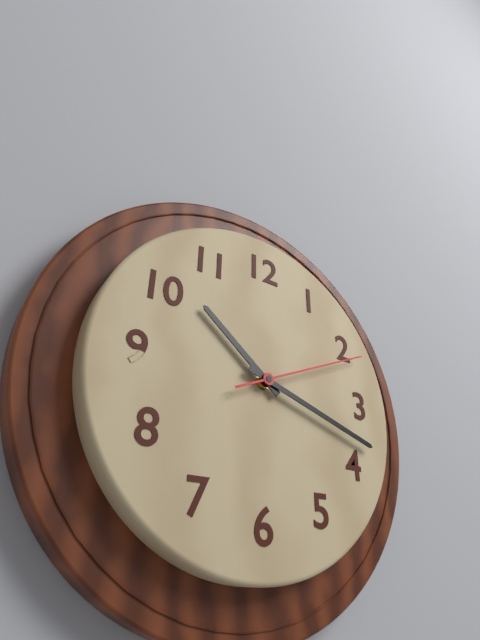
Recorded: 10h18m11s
